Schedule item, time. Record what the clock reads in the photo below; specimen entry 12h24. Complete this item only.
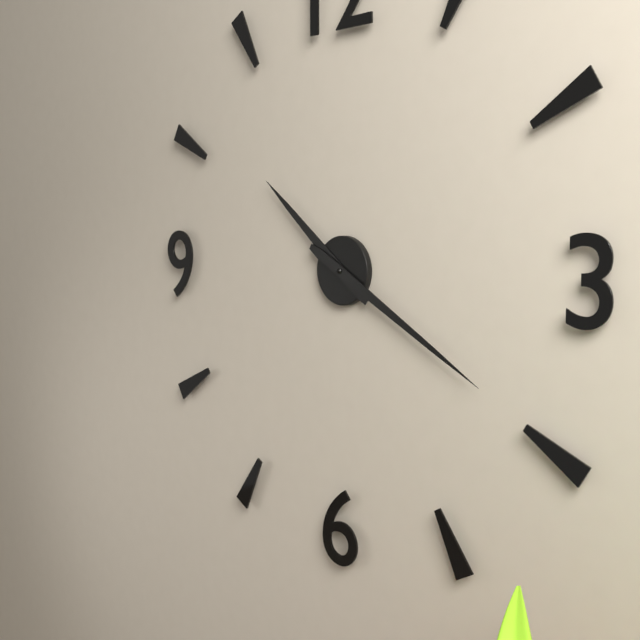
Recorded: 10h20
